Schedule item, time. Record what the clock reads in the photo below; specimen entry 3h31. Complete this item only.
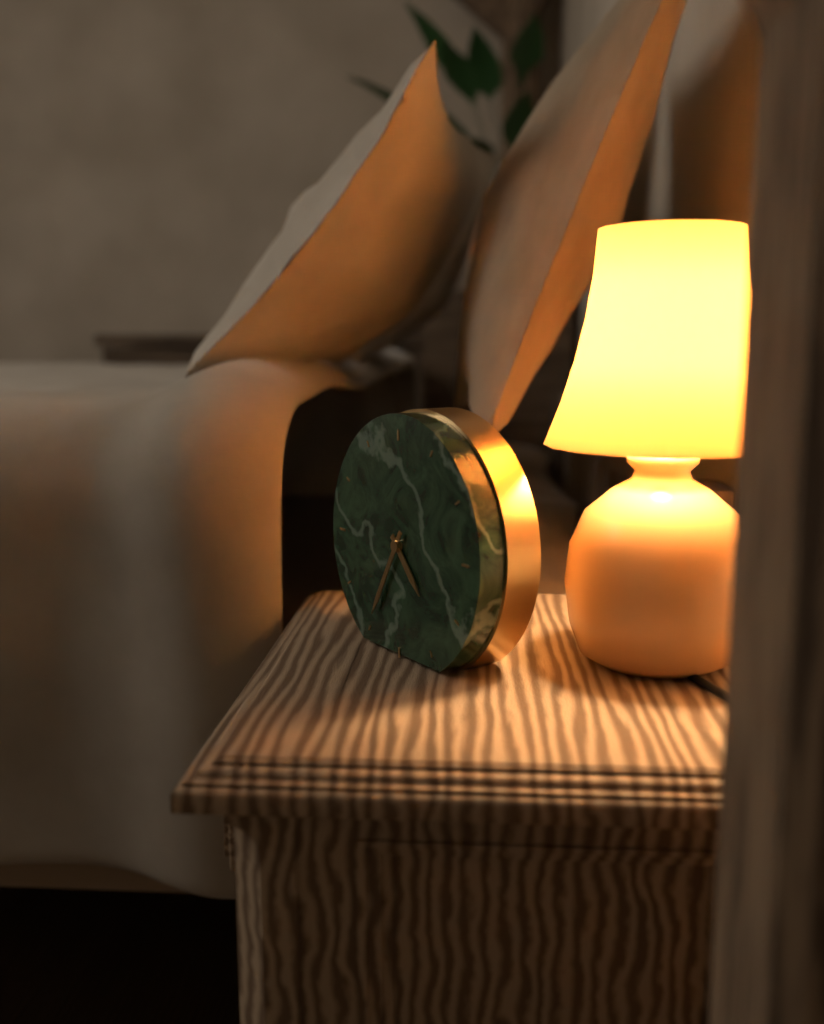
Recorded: 4h35
